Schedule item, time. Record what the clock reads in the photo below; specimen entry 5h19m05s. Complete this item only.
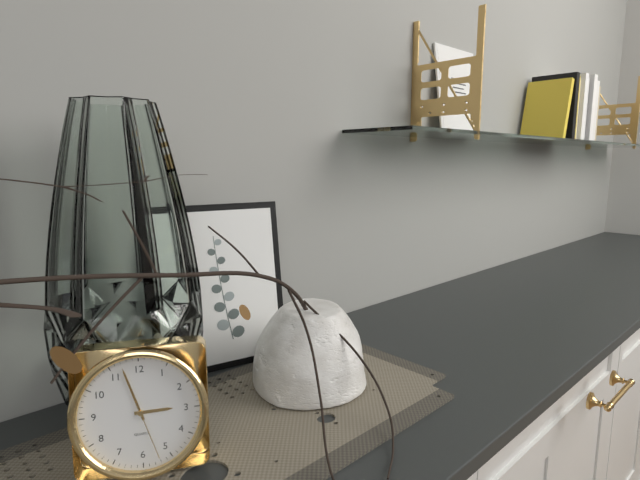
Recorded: 2h57m27s
